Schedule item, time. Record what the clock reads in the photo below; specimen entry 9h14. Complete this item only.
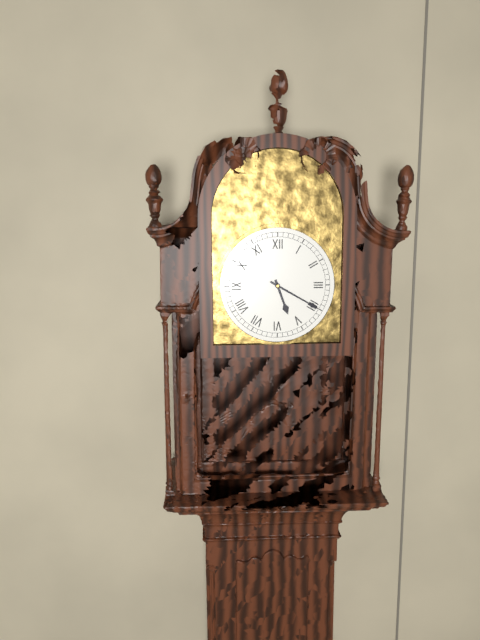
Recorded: 5h20
